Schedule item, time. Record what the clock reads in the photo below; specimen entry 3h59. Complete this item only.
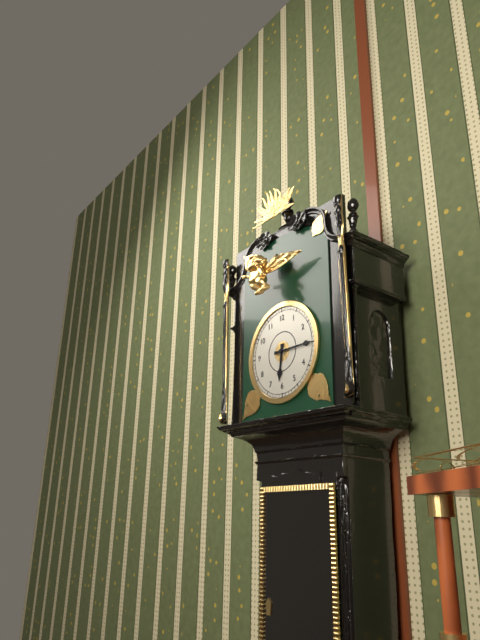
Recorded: 6h15
